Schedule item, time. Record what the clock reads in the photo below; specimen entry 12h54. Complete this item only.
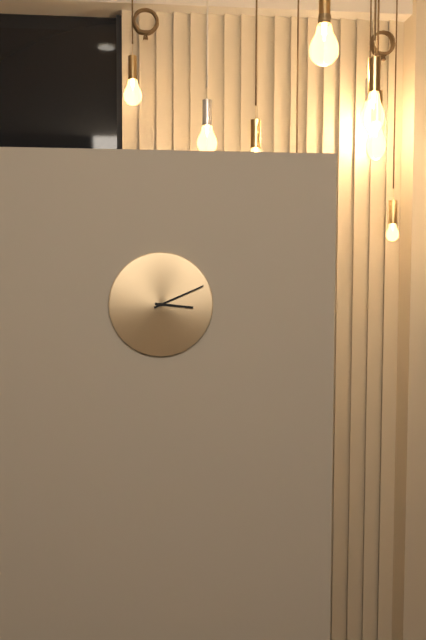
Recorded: 3h11
